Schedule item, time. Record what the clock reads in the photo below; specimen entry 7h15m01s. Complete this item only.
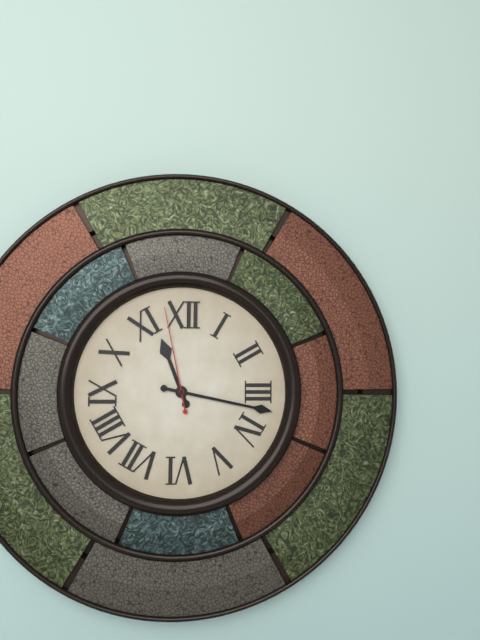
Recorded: 11h17m58s
